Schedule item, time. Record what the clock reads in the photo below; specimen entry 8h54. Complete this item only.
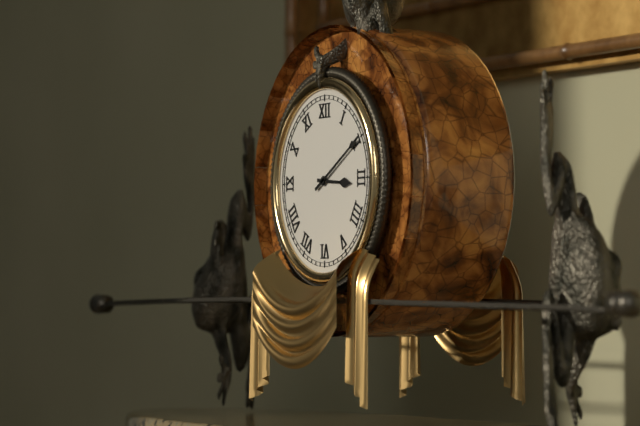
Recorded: 3h10
